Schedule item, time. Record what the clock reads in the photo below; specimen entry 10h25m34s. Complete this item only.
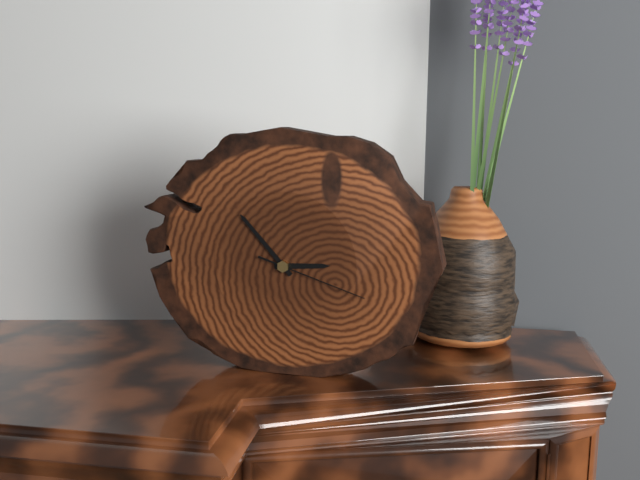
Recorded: 2h53m18s
